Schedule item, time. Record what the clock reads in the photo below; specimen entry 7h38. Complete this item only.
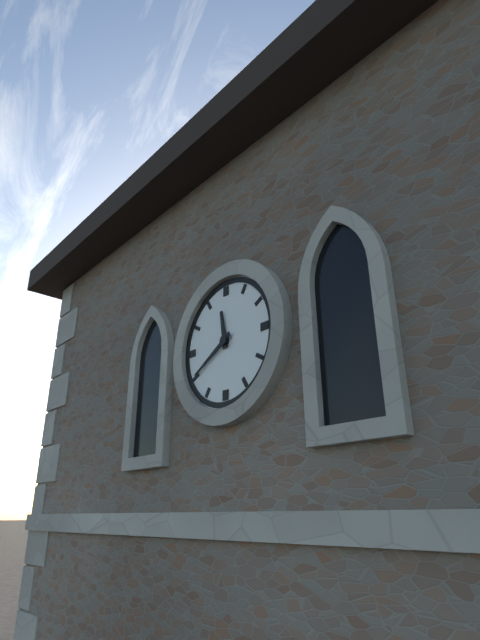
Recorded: 11h40
